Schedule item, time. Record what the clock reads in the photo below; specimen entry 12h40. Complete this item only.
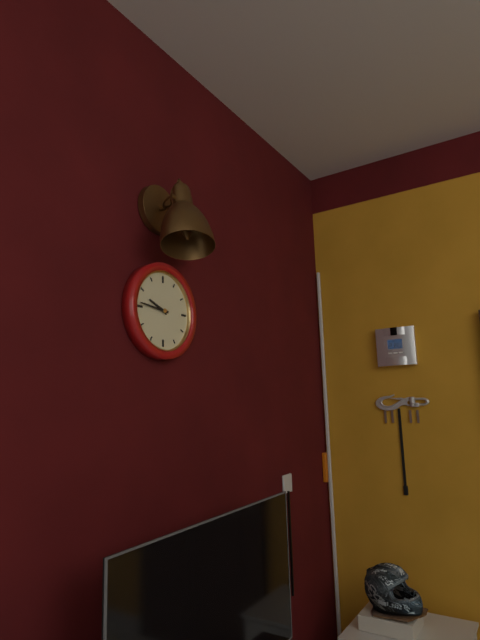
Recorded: 9h46
